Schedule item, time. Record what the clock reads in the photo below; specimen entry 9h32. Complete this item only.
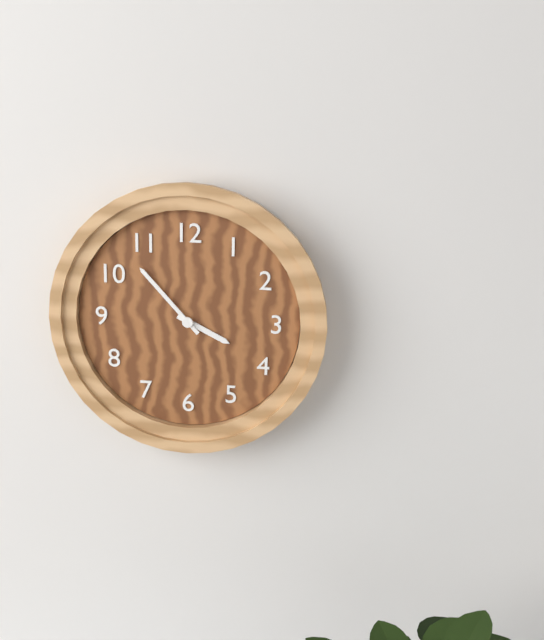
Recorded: 3h53
